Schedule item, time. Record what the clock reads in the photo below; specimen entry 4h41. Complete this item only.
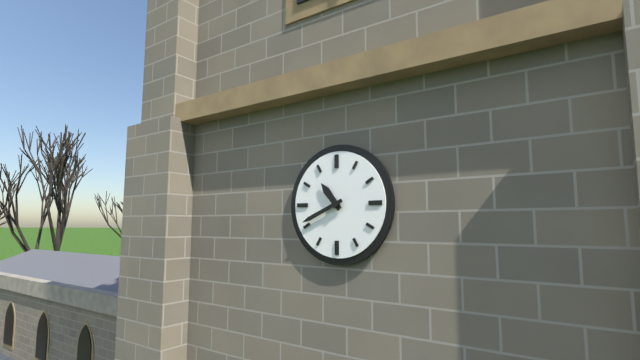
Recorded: 10h41
